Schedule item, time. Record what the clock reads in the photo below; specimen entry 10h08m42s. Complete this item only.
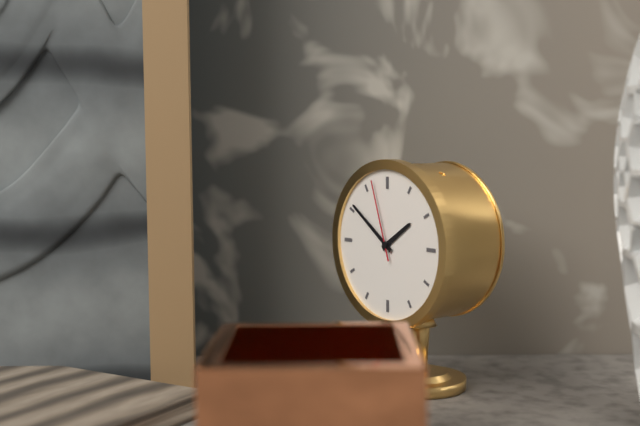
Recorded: 1h51m57s
